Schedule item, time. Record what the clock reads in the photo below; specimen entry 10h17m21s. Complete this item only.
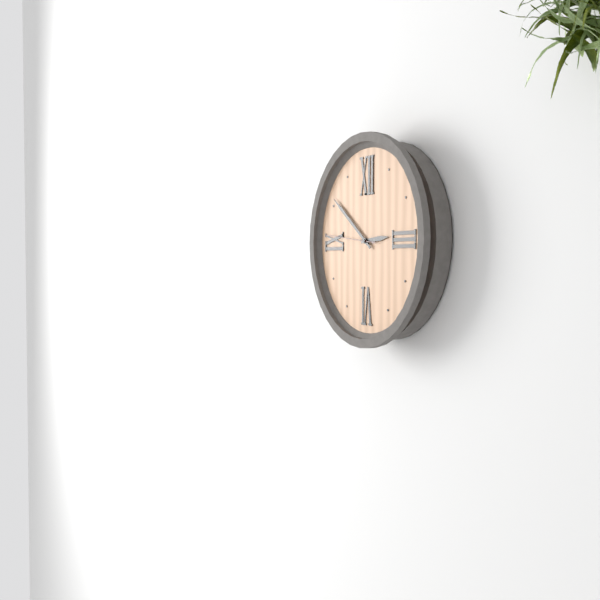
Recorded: 2h51m46s
